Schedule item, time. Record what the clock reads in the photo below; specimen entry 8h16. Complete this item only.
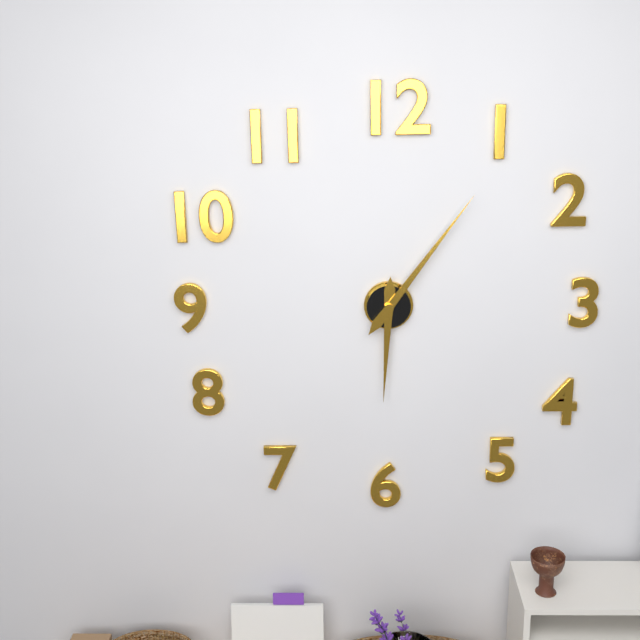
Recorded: 6h06
